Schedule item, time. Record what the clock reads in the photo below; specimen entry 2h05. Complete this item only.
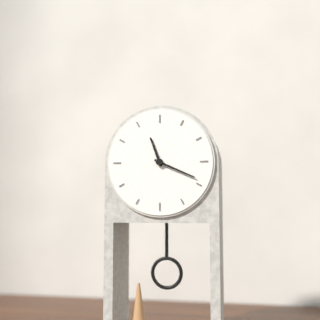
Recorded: 11h19
